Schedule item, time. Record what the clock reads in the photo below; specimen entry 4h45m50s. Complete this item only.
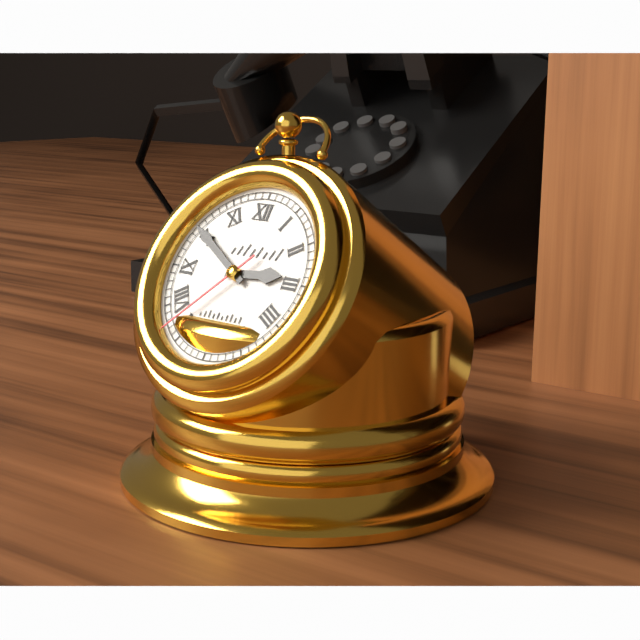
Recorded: 2h50m37s
